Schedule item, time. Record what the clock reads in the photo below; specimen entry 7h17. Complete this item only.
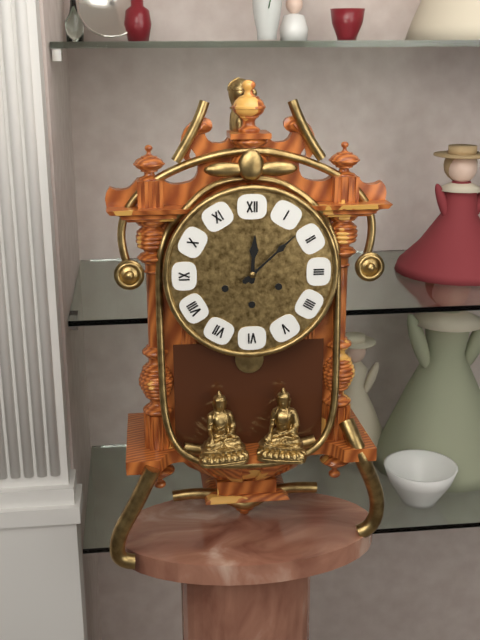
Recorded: 12h08
